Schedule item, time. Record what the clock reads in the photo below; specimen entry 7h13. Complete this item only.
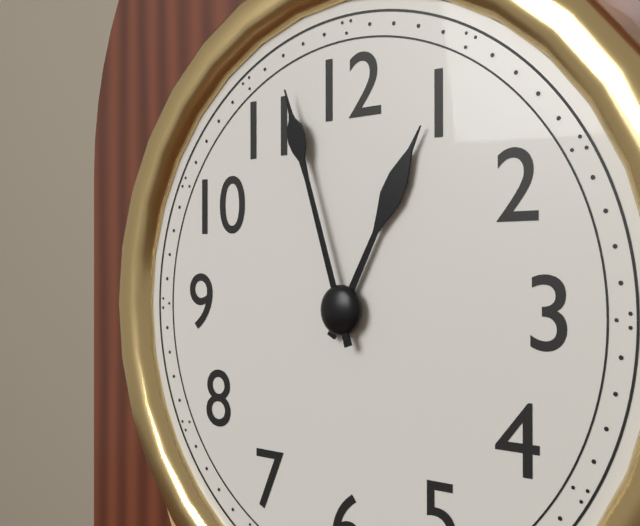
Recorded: 12h57
